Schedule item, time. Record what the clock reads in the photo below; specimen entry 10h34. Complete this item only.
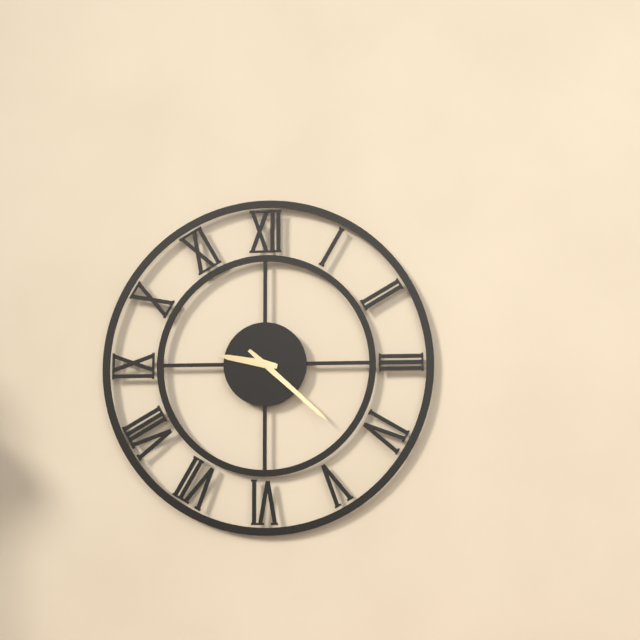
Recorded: 9h22
